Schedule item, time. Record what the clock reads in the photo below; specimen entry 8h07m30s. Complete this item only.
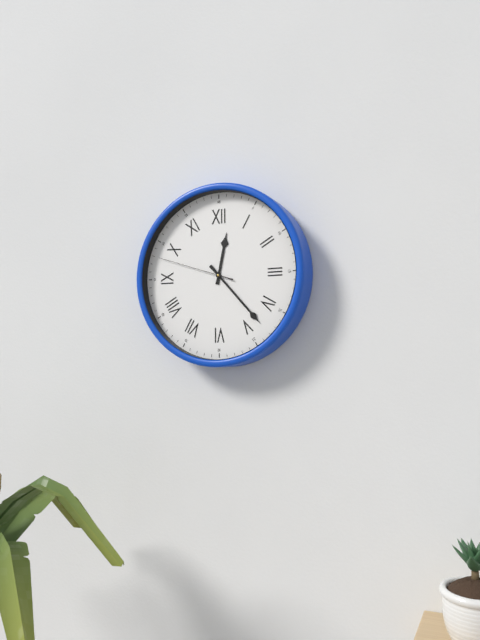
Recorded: 12h23m48s
